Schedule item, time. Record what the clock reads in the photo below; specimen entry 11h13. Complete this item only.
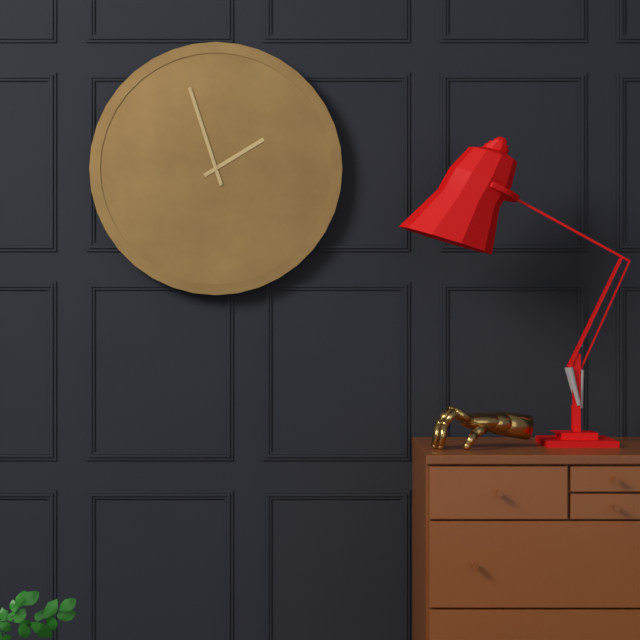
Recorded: 1h57
